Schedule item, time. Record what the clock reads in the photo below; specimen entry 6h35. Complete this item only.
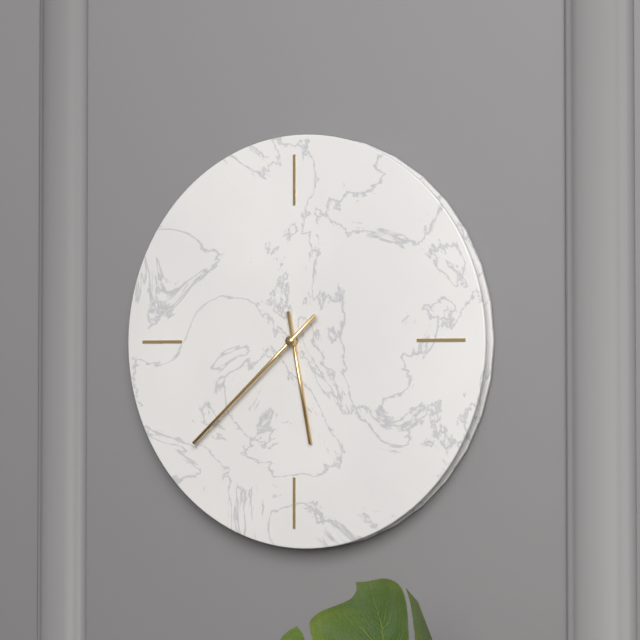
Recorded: 5h38
